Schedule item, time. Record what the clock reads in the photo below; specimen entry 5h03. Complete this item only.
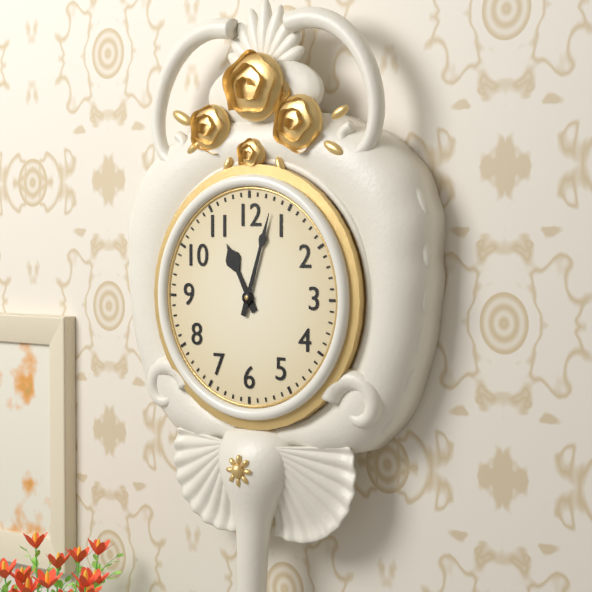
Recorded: 11h03
